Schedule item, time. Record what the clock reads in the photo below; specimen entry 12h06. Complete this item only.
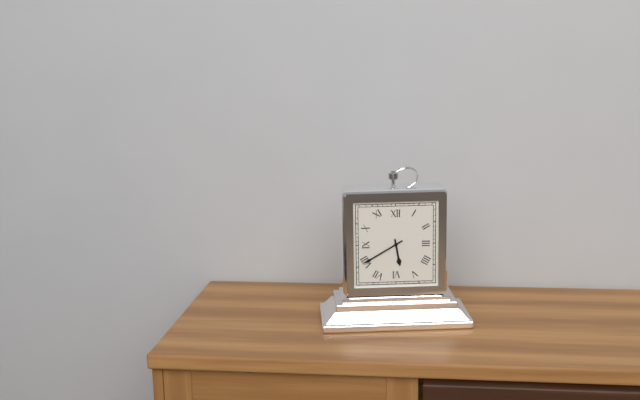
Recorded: 5h40
